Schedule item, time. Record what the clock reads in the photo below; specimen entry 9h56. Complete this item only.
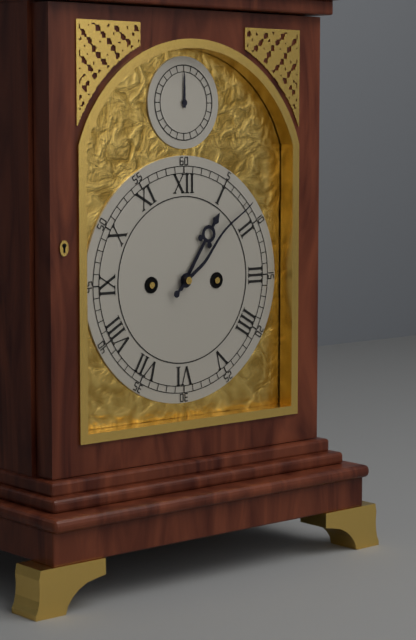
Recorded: 1h08
